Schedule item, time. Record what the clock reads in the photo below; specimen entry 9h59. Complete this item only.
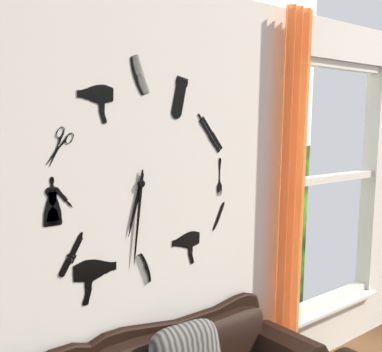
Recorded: 6h31
